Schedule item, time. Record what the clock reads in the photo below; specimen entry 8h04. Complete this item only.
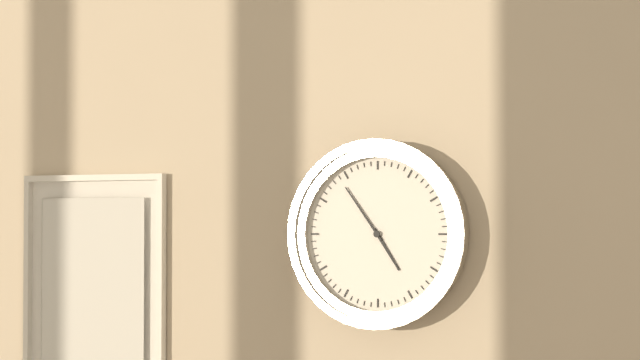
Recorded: 4h54
